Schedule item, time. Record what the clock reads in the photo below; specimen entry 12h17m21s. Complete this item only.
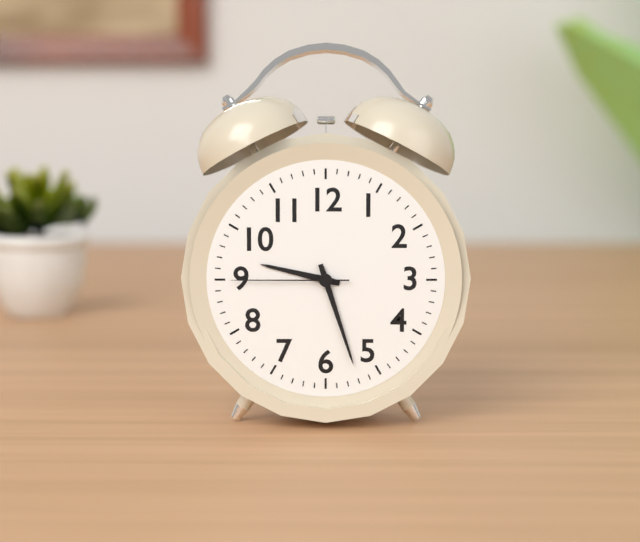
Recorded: 9h27m45s
